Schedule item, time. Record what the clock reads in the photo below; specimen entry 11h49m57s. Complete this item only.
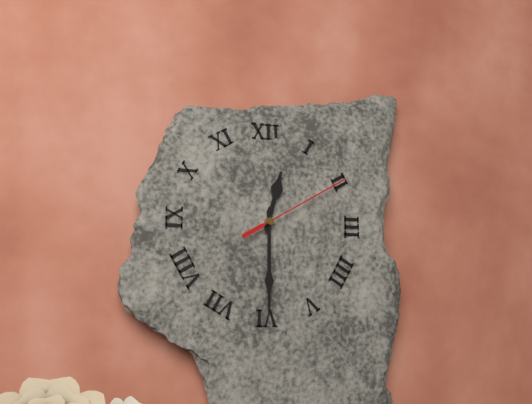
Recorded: 12h30m10s
